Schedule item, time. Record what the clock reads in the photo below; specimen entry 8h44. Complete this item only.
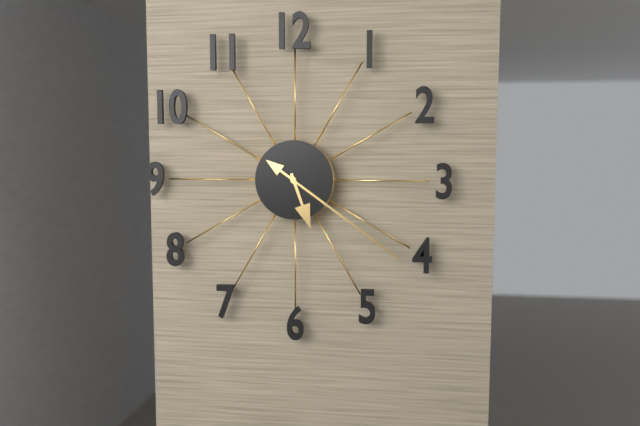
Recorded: 5h21
